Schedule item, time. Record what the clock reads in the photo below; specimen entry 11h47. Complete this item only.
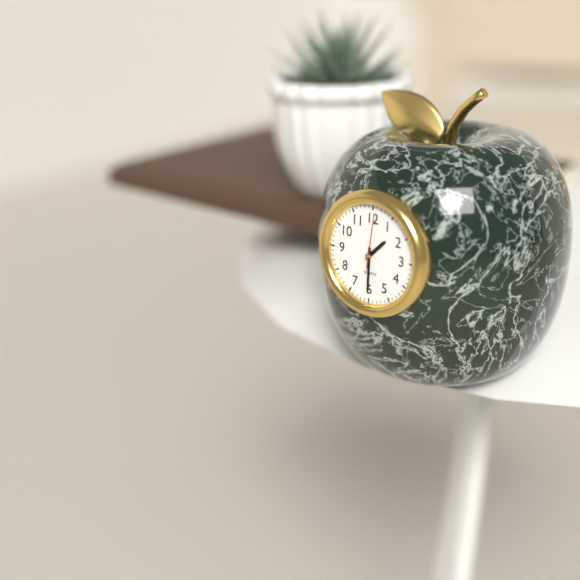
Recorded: 1h30
